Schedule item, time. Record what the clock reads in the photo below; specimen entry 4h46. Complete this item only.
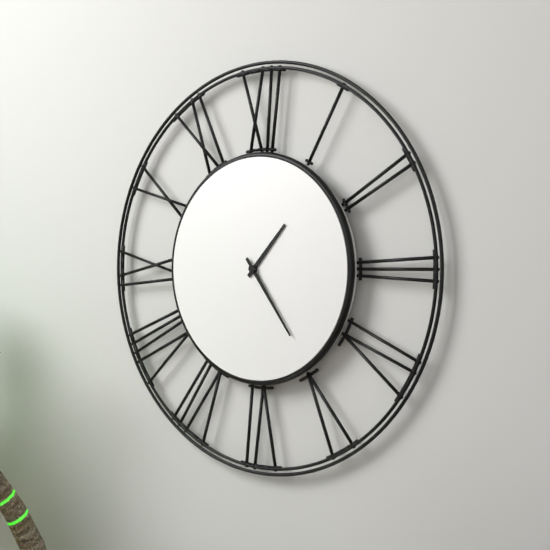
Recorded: 1h24
